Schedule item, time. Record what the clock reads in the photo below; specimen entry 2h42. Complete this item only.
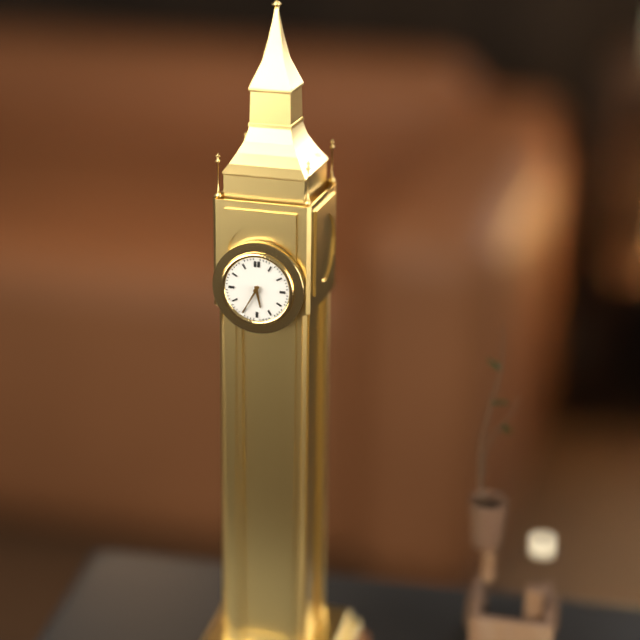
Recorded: 5h35
